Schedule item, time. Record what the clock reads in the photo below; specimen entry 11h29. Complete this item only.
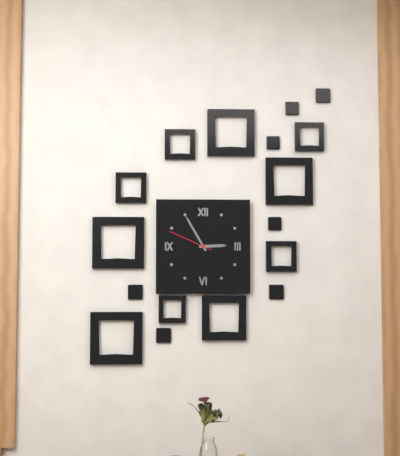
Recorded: 2h55
